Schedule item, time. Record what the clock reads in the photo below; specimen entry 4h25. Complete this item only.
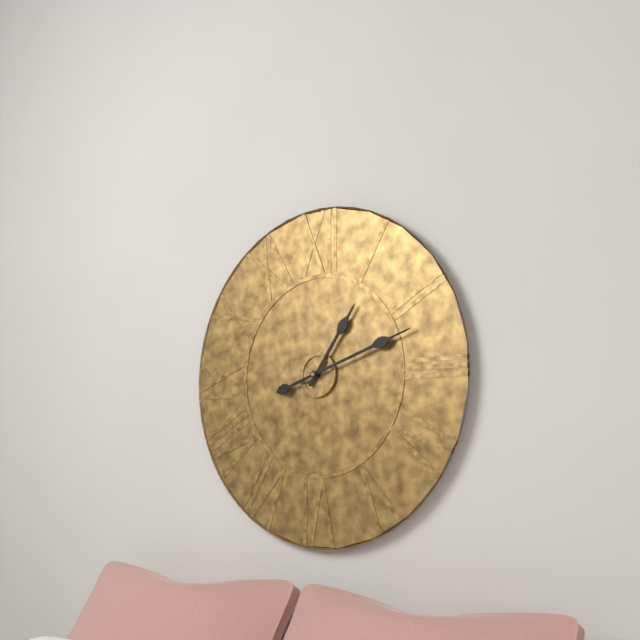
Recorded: 1h12
